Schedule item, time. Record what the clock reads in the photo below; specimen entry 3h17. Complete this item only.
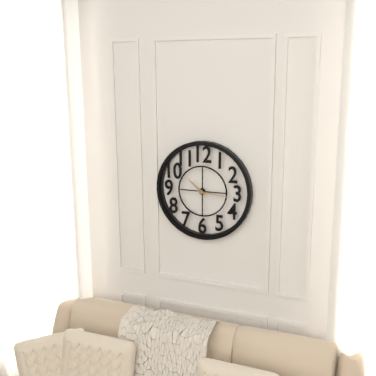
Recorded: 10h16
